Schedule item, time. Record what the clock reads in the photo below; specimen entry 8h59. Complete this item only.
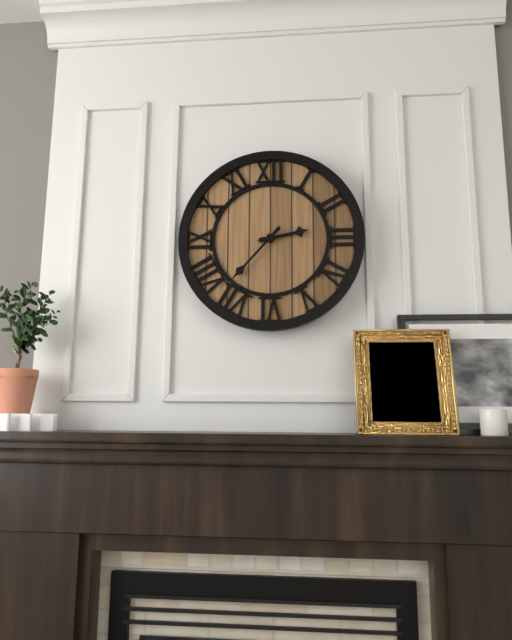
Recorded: 2h37
